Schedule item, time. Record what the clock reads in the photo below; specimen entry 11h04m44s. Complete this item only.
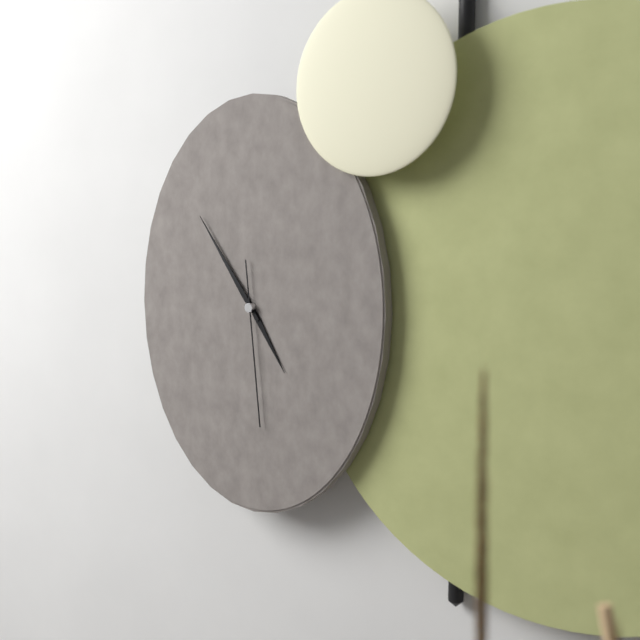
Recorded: 4h54m29s
